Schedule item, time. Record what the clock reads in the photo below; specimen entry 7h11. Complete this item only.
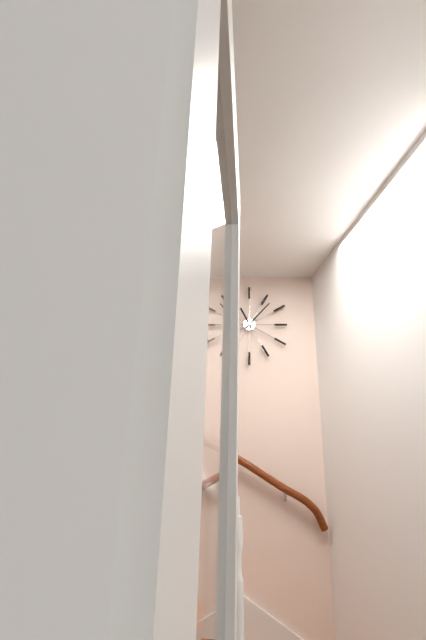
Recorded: 11h07
